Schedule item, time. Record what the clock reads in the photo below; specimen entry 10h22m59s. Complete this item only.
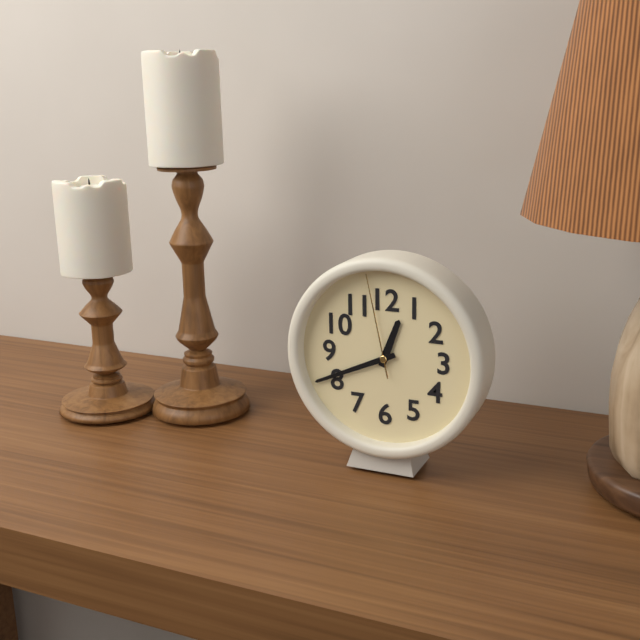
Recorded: 12h41m58s
